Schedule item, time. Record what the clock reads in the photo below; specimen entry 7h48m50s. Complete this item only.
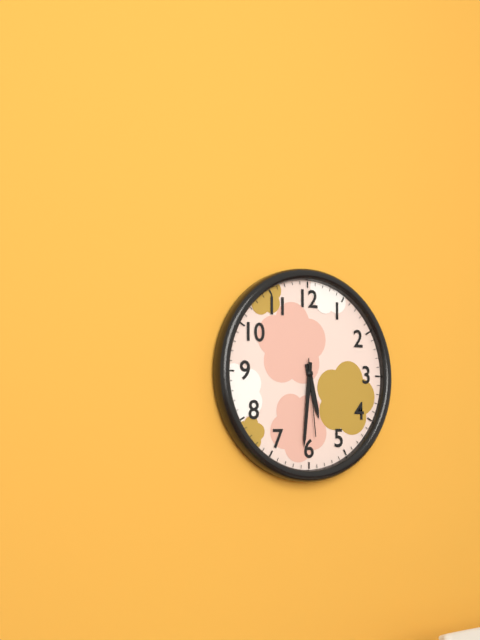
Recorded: 5h31m29s
